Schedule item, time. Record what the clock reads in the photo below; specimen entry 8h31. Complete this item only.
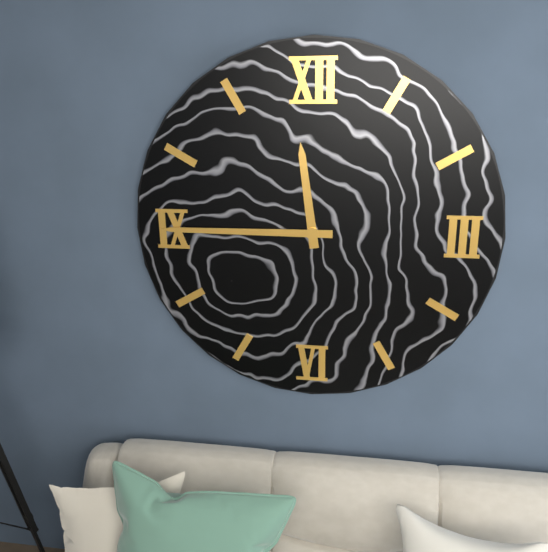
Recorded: 11h45
